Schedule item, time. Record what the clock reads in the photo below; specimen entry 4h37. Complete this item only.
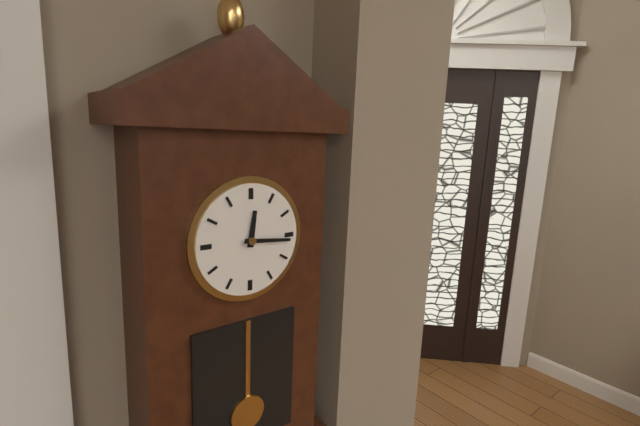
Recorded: 12h16
